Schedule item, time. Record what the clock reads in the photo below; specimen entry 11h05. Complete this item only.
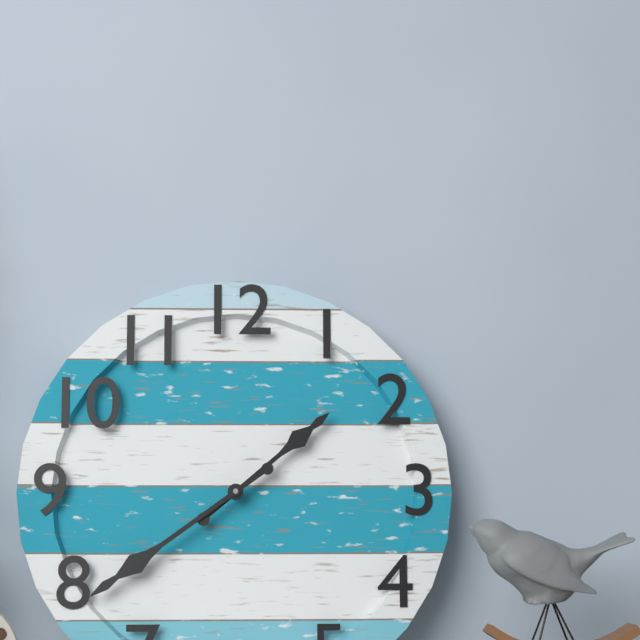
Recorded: 1h39
